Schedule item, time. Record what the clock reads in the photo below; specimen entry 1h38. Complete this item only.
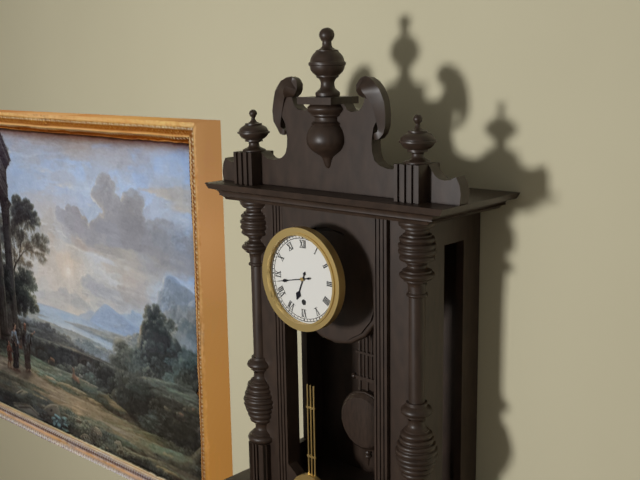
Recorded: 6h43
